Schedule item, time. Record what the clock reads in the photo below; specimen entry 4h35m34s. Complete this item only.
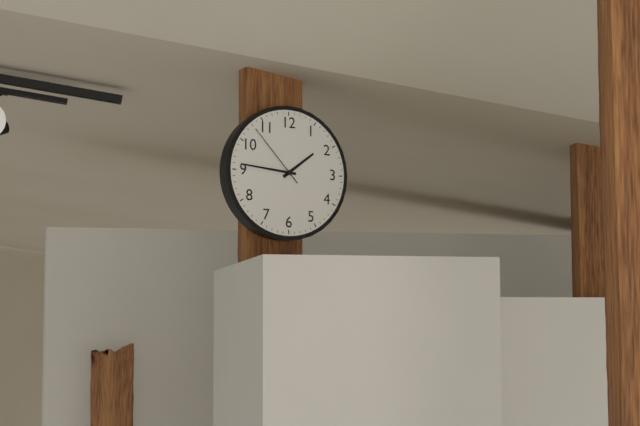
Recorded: 1h46m53s
